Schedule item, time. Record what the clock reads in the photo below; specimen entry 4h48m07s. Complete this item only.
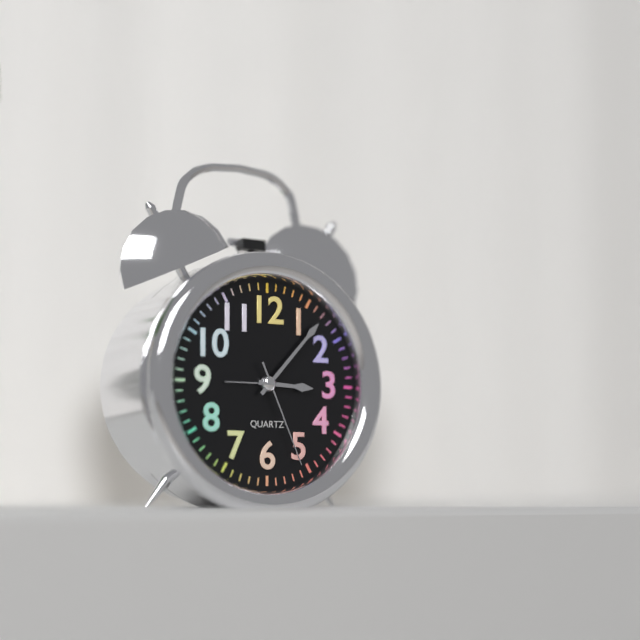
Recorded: 3h07m26s
